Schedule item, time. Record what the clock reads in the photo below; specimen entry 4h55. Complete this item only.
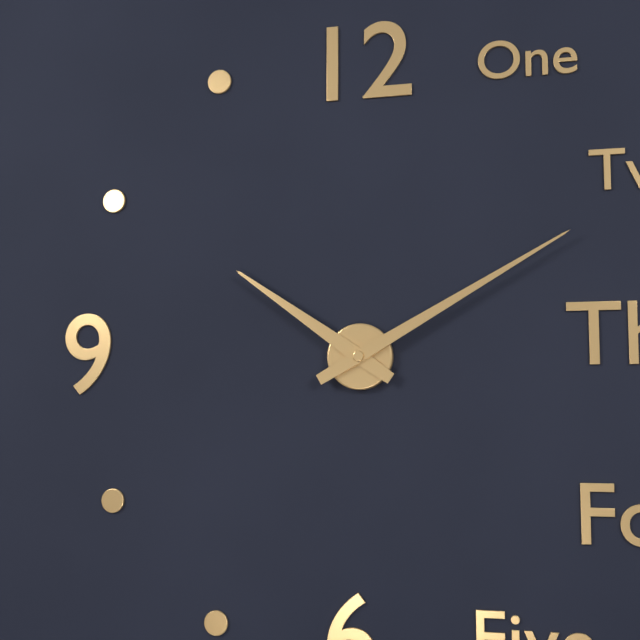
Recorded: 10h10
